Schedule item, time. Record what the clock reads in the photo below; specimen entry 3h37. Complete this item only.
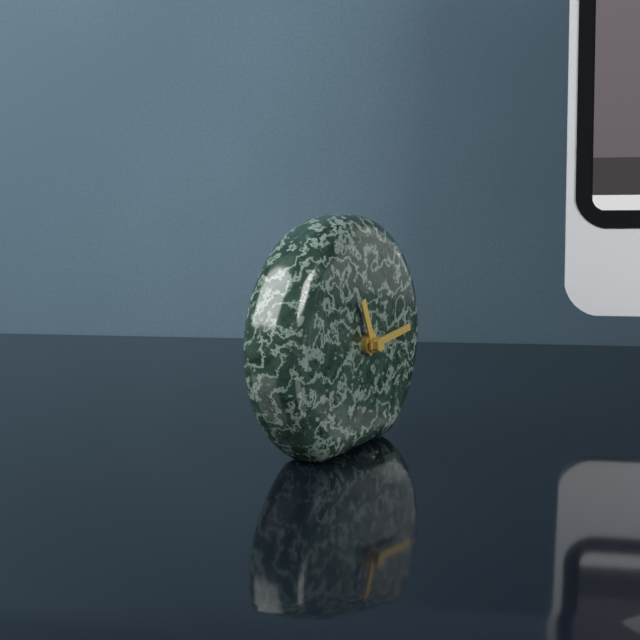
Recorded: 11h14
